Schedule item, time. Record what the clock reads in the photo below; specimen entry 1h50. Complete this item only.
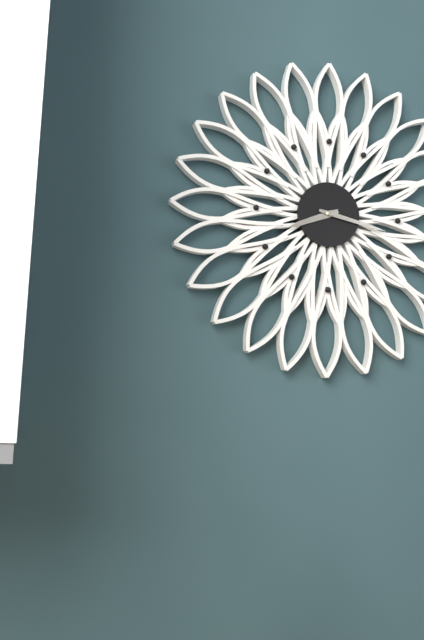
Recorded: 8h17
